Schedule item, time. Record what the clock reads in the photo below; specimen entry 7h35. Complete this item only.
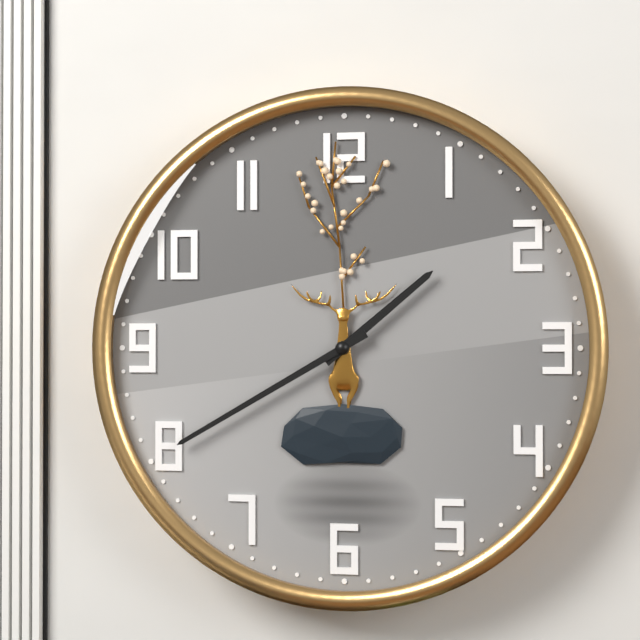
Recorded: 1h40
